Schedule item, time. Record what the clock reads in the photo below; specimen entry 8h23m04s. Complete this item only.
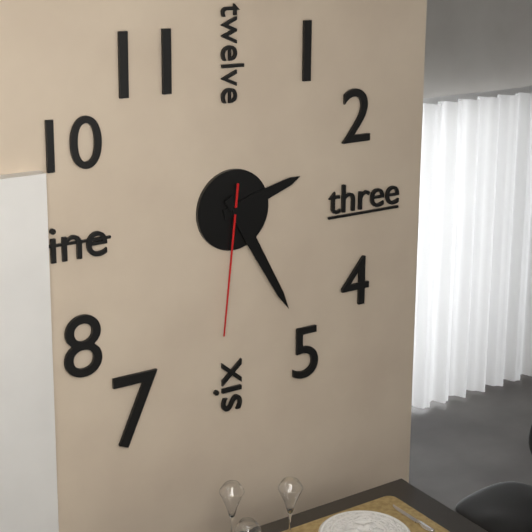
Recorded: 2h25m31s
